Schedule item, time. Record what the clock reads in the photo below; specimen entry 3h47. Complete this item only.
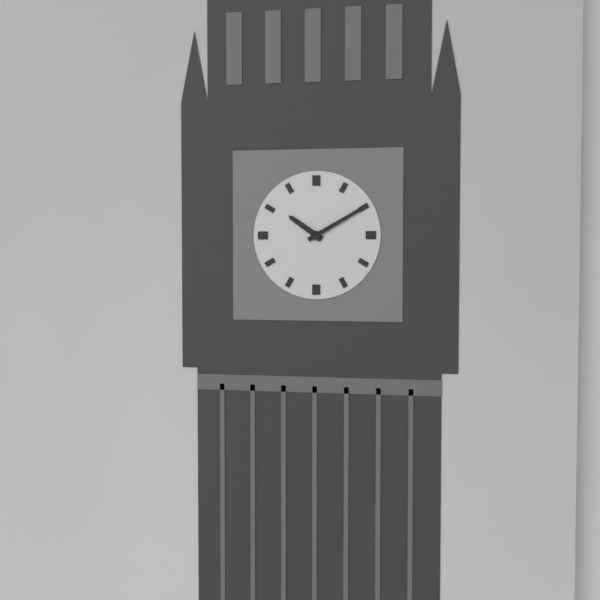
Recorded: 10h10
